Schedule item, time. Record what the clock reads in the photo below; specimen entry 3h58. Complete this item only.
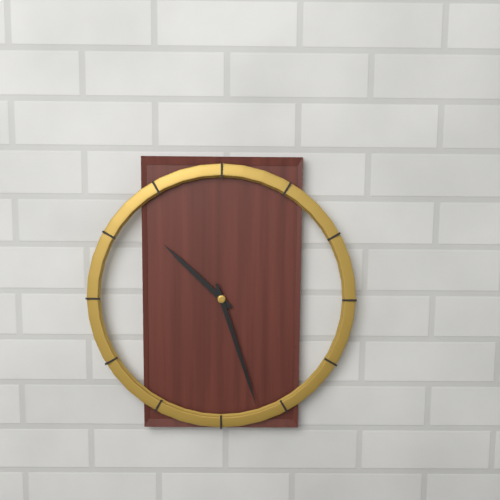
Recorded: 10h27
